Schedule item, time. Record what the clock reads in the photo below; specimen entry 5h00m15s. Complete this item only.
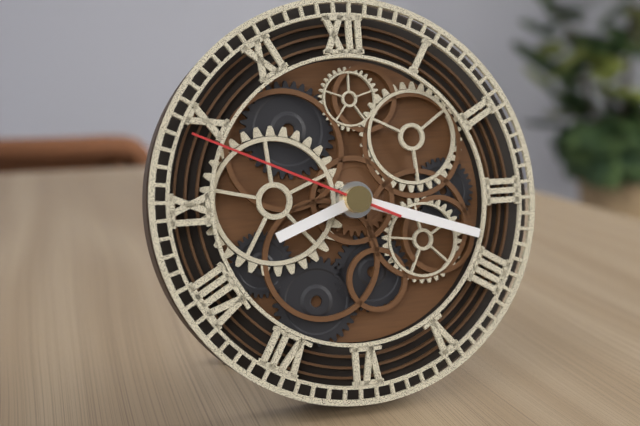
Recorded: 8h18m49s
